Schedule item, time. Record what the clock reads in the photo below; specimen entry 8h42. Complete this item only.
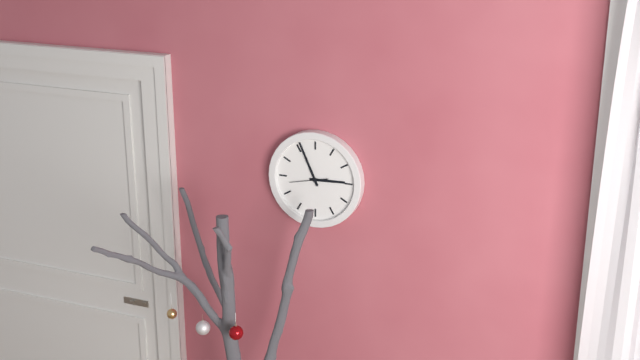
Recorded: 2h56
